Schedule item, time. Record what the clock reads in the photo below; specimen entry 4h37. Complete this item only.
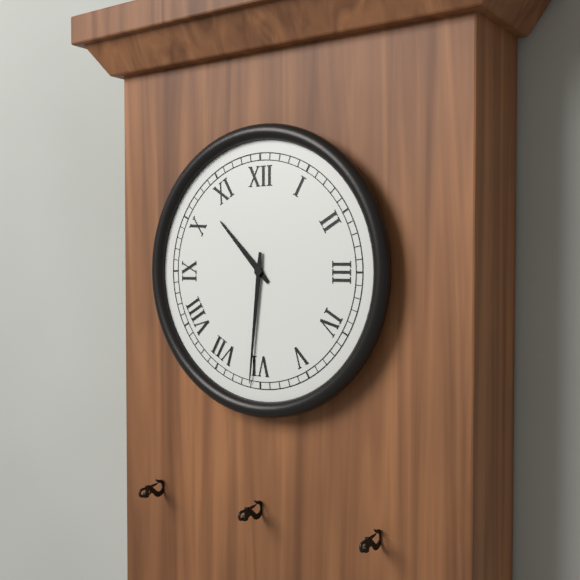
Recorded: 10h31
